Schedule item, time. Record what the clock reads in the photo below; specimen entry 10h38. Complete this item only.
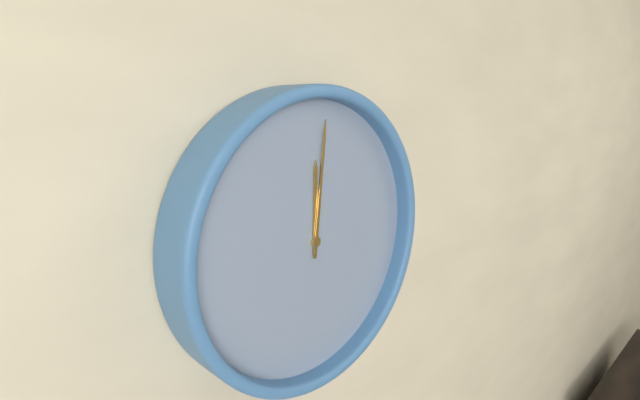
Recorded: 12h01
